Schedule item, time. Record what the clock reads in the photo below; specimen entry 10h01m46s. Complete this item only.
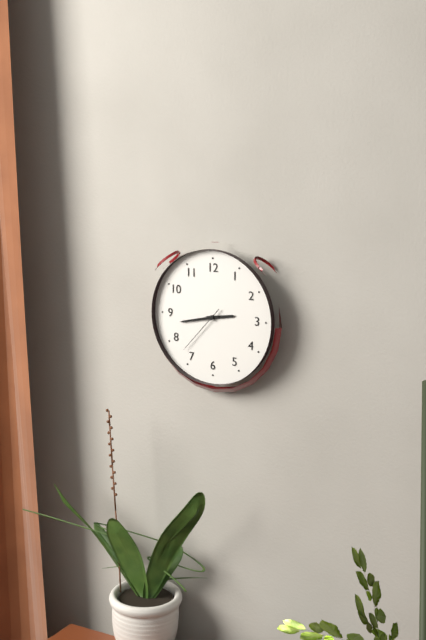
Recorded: 2h43m37s
